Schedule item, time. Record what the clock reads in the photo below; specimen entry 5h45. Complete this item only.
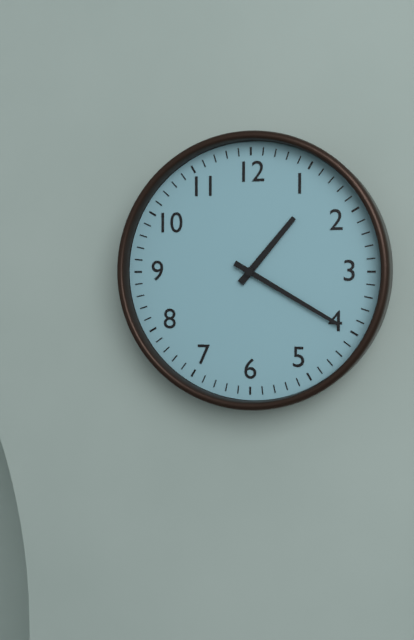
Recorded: 1h20
